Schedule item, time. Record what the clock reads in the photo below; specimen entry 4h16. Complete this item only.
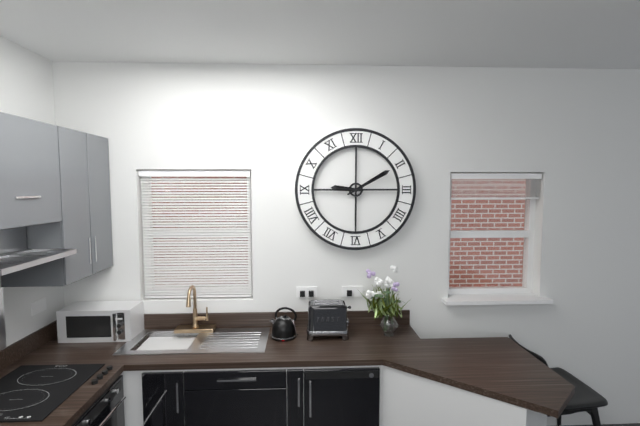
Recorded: 9h10
